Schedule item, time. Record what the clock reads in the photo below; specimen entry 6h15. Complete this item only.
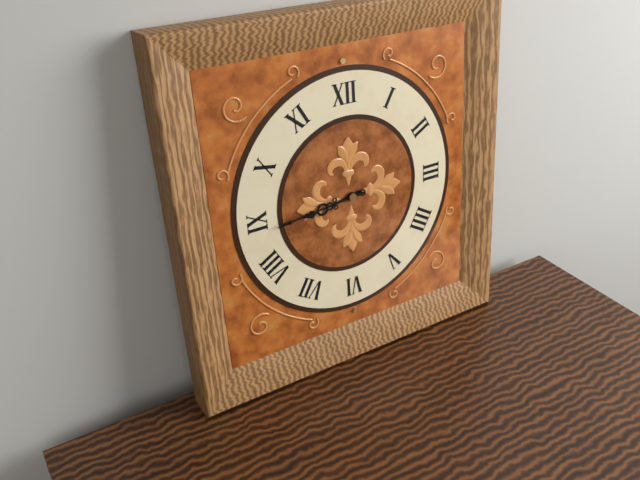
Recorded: 8h44
